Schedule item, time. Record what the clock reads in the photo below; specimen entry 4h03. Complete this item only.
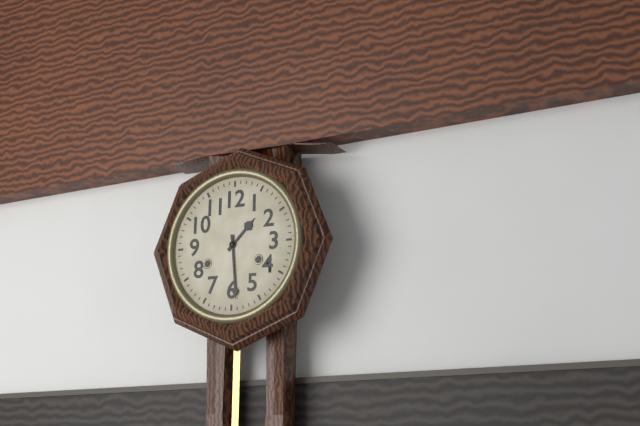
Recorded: 1h29
